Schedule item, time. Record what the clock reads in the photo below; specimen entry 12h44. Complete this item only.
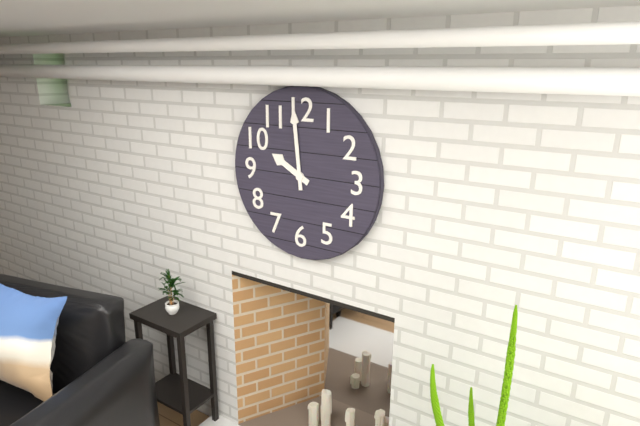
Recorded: 9h59
